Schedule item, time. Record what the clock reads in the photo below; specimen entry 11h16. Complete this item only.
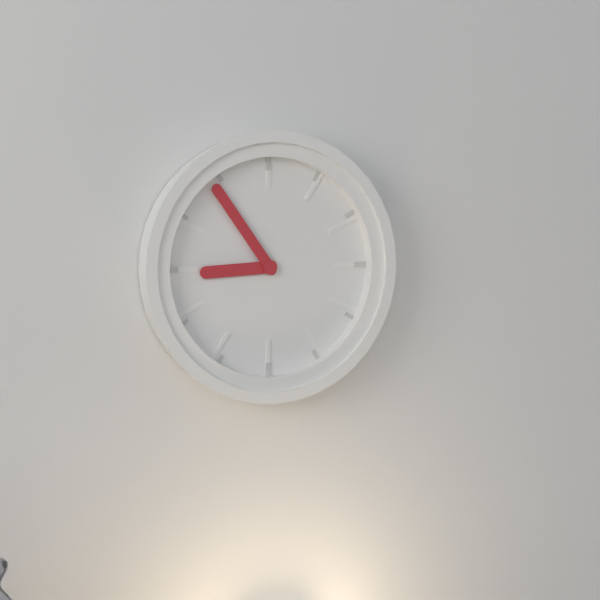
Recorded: 8h54
